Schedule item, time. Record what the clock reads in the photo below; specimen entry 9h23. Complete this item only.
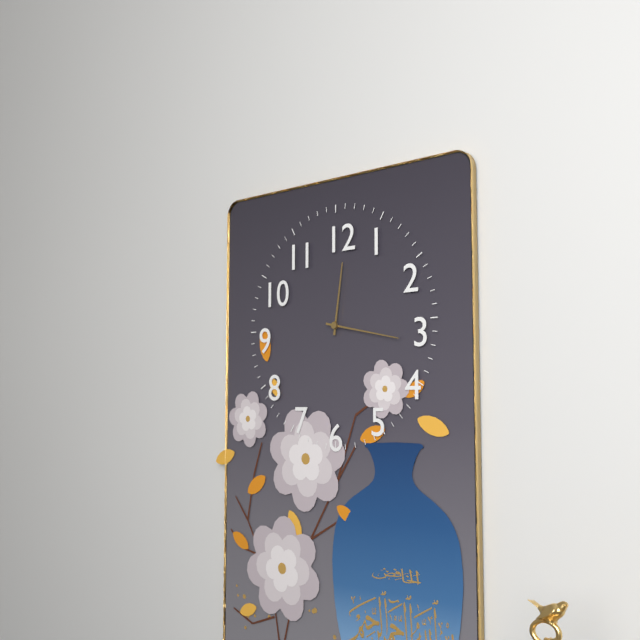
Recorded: 12h17
